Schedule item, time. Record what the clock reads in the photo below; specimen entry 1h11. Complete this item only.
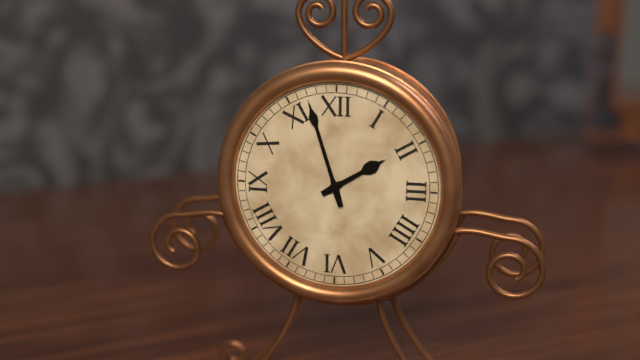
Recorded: 1h57
